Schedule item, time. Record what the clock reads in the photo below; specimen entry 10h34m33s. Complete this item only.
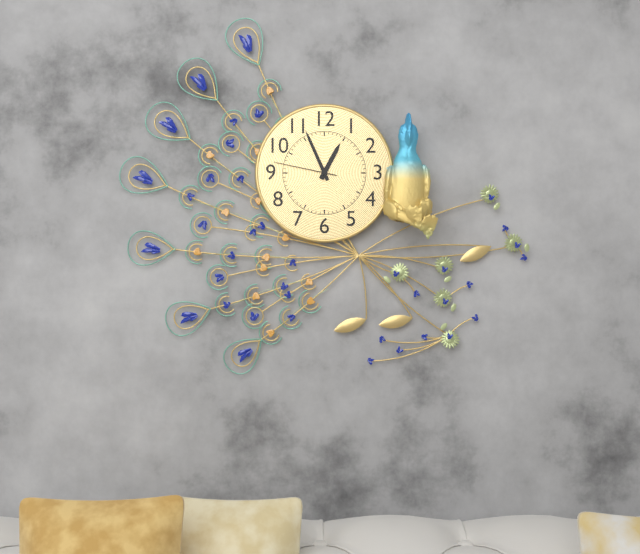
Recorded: 12h56m47s
